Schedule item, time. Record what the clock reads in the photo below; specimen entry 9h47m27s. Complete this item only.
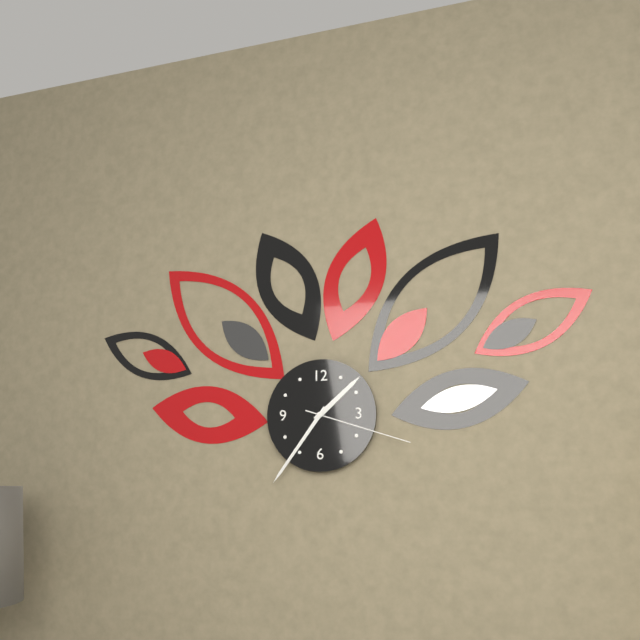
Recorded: 1h36m18s
